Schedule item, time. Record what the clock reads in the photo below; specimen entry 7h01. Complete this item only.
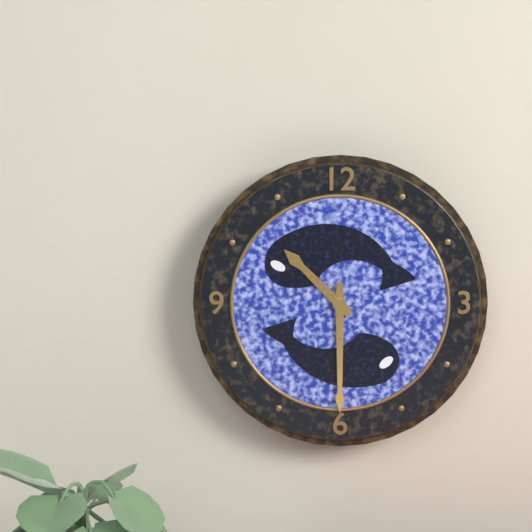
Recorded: 10h30
